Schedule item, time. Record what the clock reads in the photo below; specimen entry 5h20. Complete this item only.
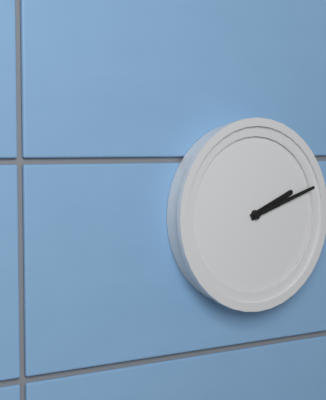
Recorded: 2h12
